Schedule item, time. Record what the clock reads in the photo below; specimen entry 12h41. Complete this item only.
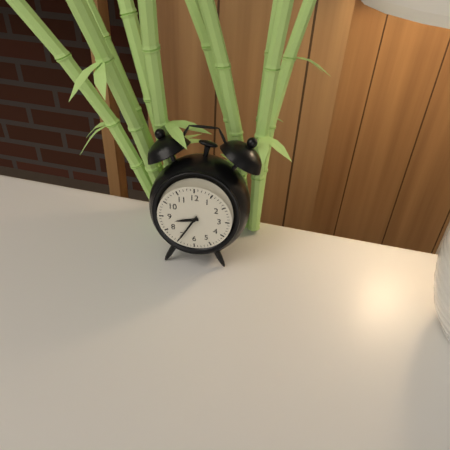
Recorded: 8h35
